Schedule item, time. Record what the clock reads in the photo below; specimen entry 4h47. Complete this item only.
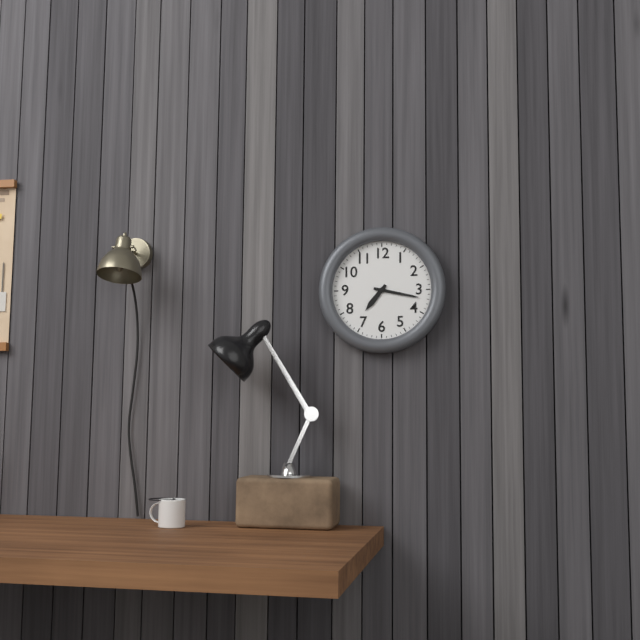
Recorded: 7h17
